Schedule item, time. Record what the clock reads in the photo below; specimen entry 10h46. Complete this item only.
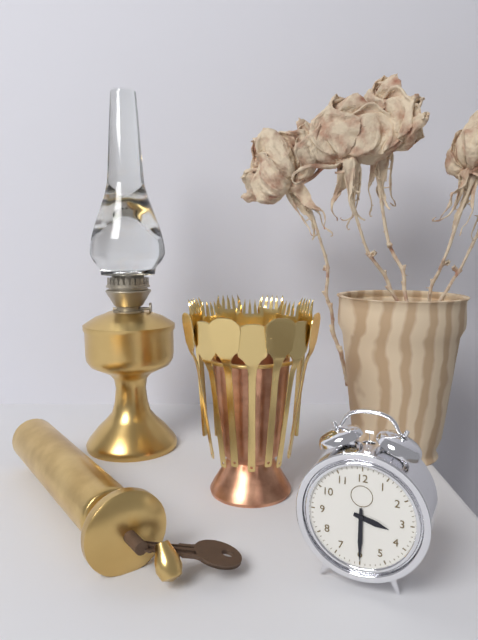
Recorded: 3h30
